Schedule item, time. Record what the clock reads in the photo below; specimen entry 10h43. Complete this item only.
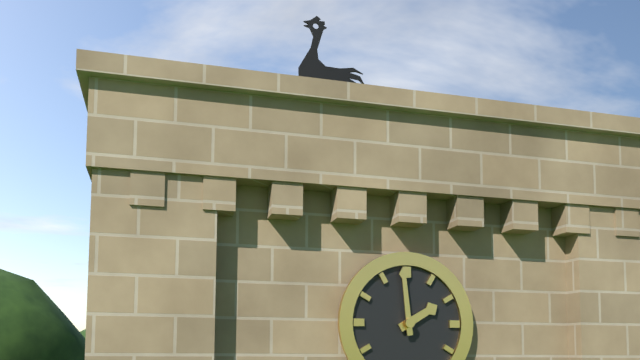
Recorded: 1h59
